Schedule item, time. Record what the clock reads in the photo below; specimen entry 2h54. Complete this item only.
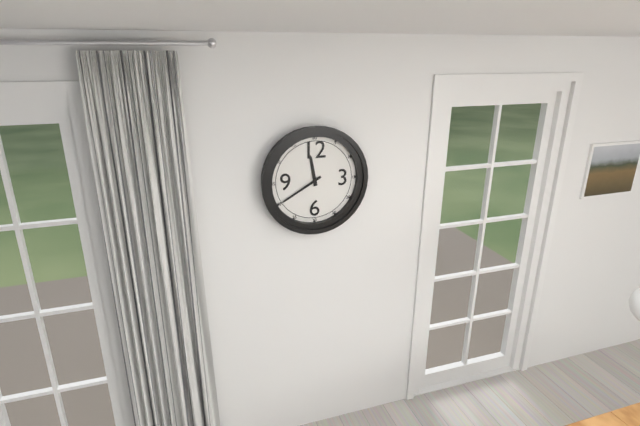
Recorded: 11h40
